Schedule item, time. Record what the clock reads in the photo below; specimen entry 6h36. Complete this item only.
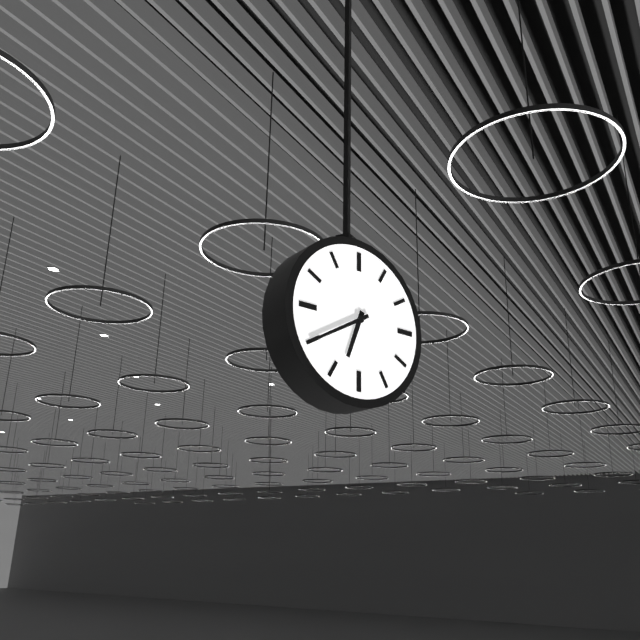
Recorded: 6h40
